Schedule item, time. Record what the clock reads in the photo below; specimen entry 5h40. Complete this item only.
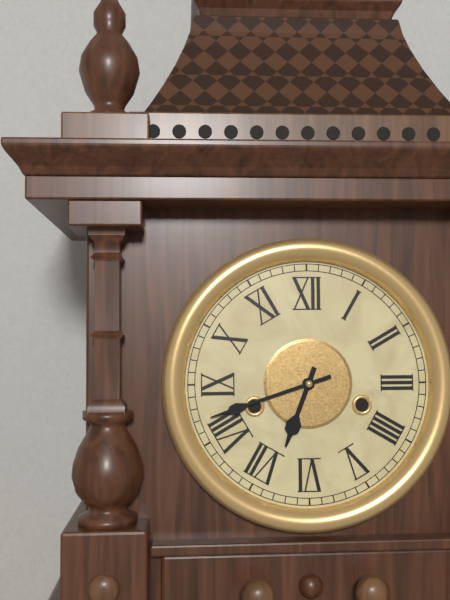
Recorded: 6h42
